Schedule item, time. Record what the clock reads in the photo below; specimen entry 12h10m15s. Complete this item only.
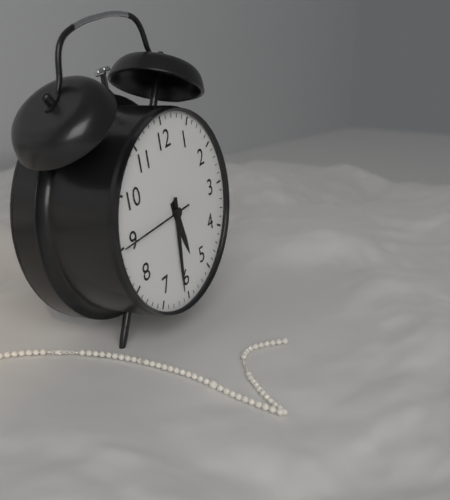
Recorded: 5h31m45s
